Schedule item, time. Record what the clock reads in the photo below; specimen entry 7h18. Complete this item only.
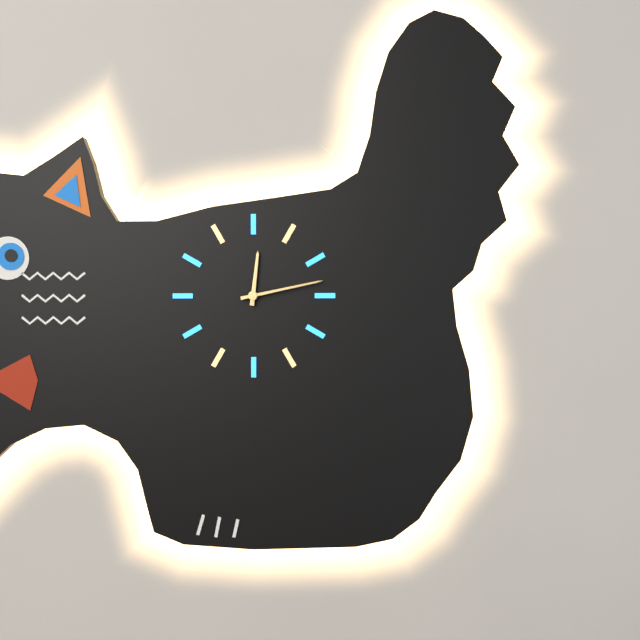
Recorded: 12h13
